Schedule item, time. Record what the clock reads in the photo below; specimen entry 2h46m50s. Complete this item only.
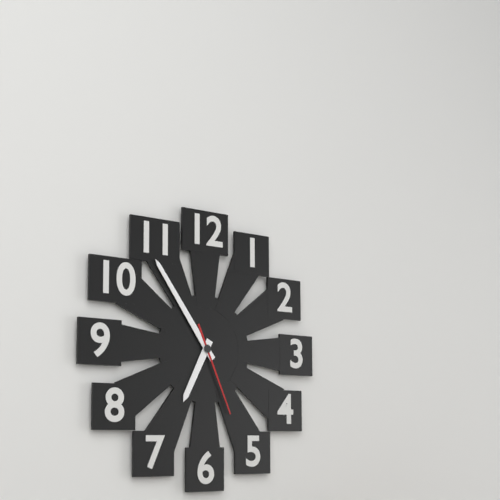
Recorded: 6h54m26s
